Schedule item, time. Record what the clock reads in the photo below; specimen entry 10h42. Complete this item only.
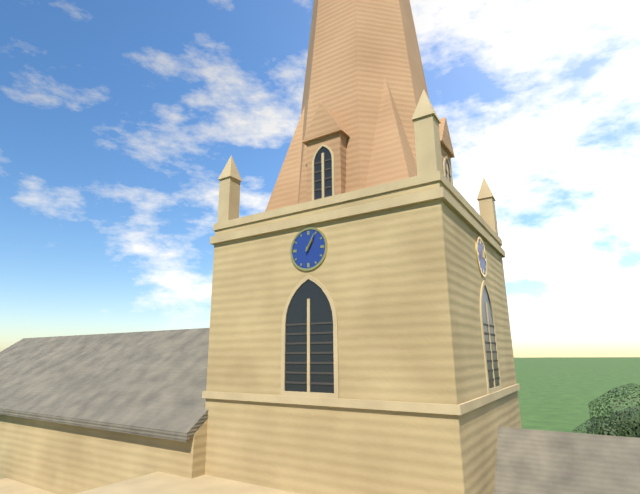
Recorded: 1h05
